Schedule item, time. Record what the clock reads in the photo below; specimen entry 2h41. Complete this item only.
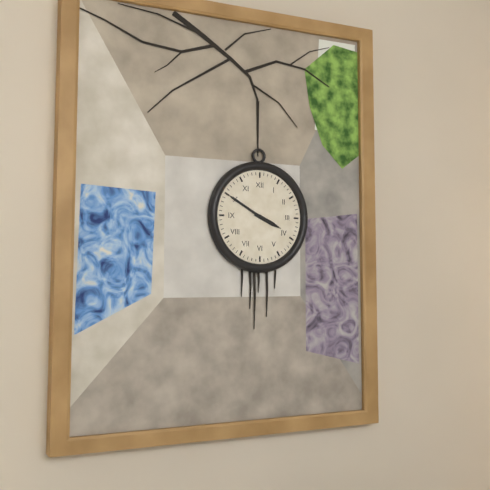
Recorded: 3h50
